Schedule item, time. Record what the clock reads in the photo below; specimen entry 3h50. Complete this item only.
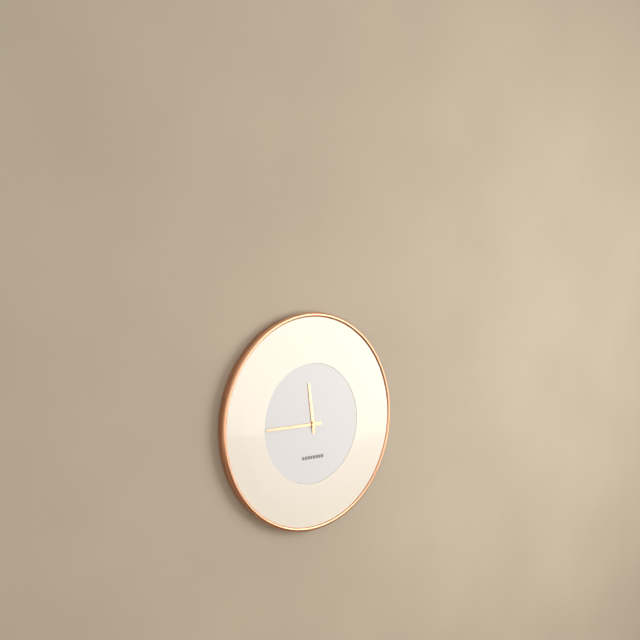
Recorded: 11h45
